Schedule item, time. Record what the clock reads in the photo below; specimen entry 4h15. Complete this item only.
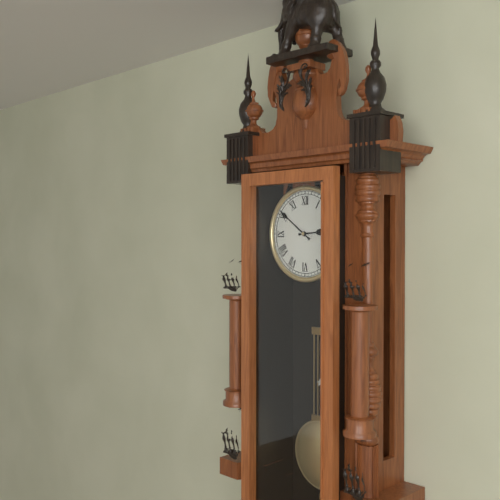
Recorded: 2h51
